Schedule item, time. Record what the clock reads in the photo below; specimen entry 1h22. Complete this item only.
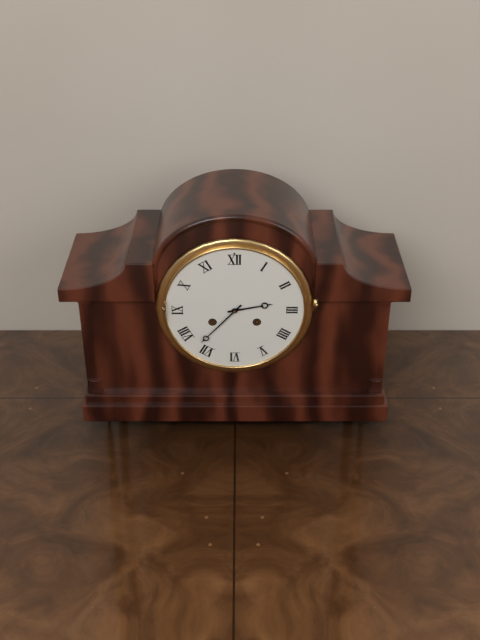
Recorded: 2h37
